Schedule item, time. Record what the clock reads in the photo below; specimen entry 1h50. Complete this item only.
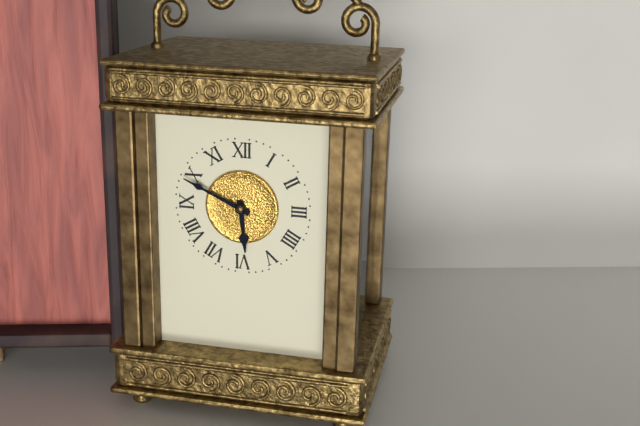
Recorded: 5h49
